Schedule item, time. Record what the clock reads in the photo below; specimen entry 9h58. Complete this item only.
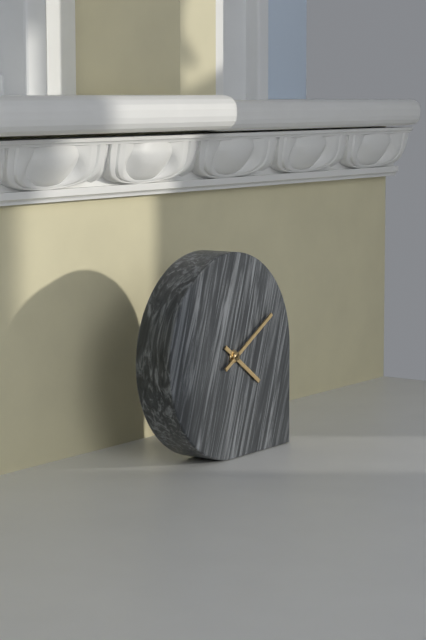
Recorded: 4h10
